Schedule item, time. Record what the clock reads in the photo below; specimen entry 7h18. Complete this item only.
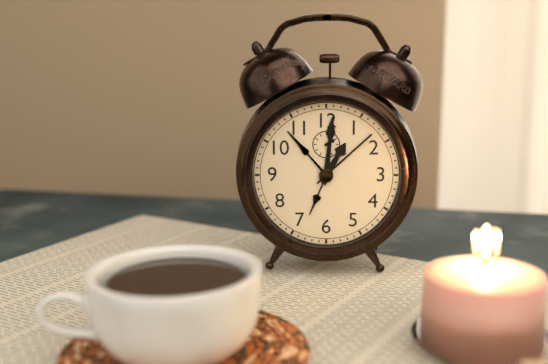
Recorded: 1h01
